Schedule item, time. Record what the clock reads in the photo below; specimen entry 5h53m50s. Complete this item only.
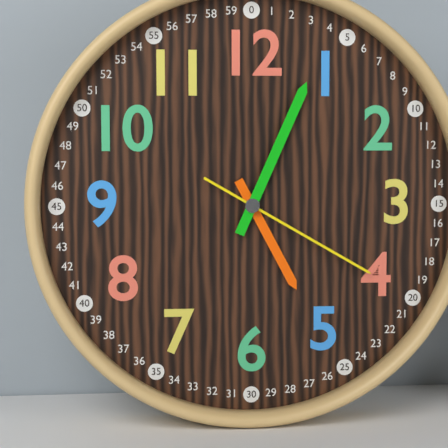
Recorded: 5h04m20s
